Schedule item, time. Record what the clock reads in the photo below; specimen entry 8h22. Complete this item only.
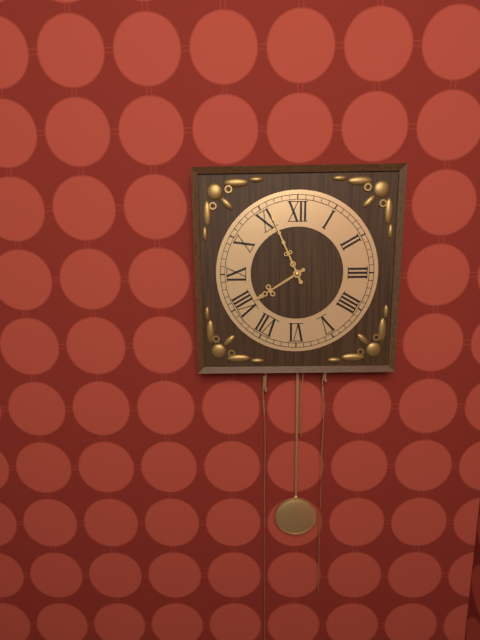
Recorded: 7h56
